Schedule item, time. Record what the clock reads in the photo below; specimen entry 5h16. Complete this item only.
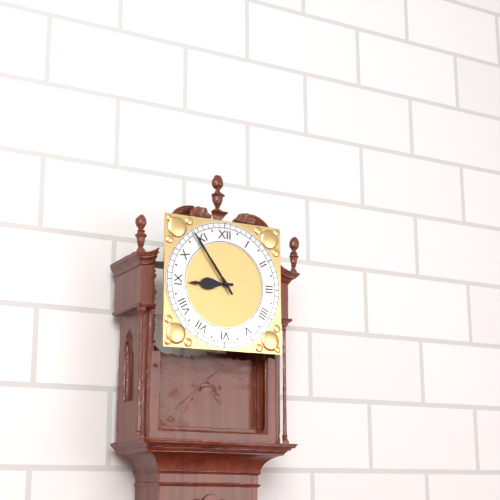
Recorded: 8h54
